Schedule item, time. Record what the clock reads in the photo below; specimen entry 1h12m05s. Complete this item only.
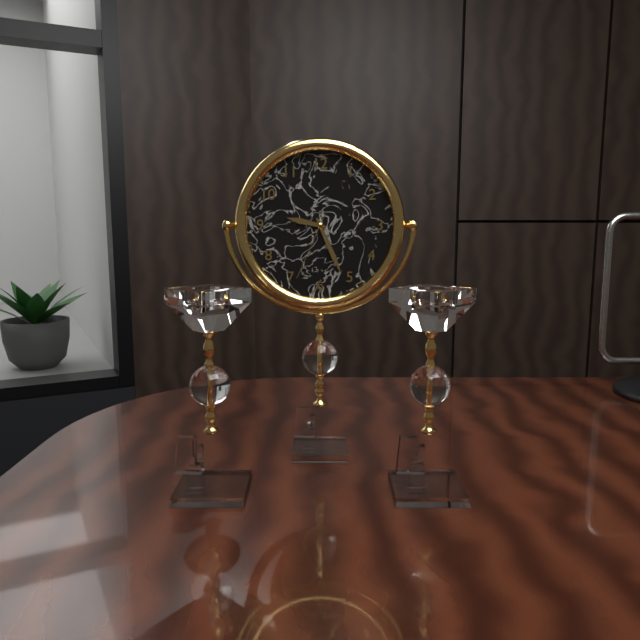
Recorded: 9h26m34s
